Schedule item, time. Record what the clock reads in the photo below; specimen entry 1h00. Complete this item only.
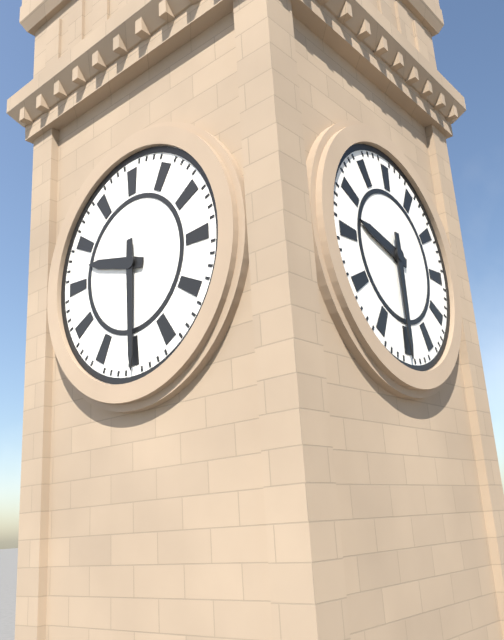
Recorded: 9h30
